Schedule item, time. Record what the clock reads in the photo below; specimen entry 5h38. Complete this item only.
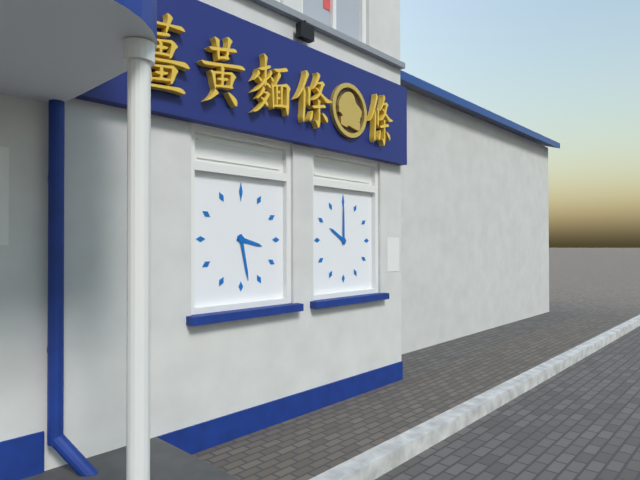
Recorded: 3h28
